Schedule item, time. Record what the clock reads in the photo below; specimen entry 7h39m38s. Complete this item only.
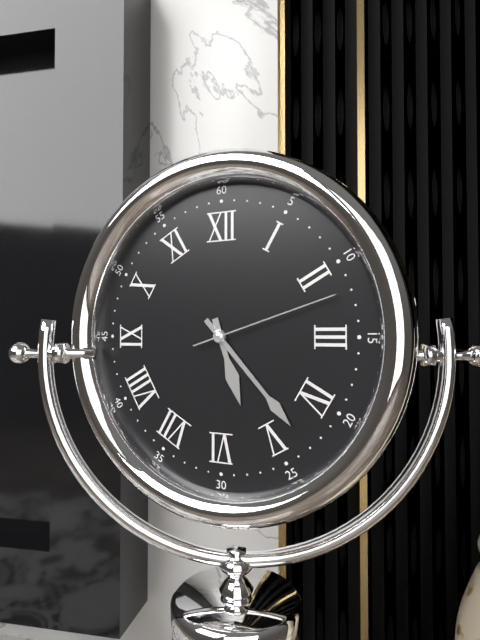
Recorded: 5h23m12s
